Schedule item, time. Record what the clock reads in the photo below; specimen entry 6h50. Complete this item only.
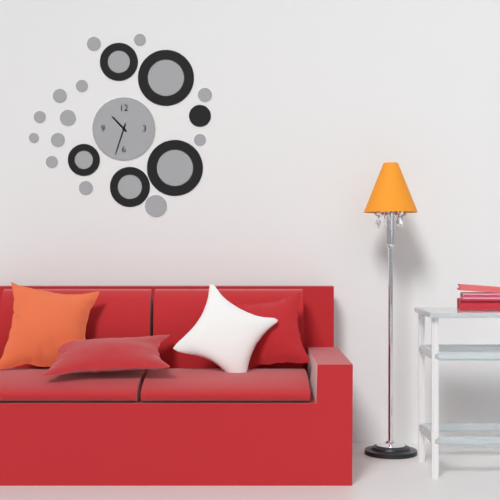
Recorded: 10h33
